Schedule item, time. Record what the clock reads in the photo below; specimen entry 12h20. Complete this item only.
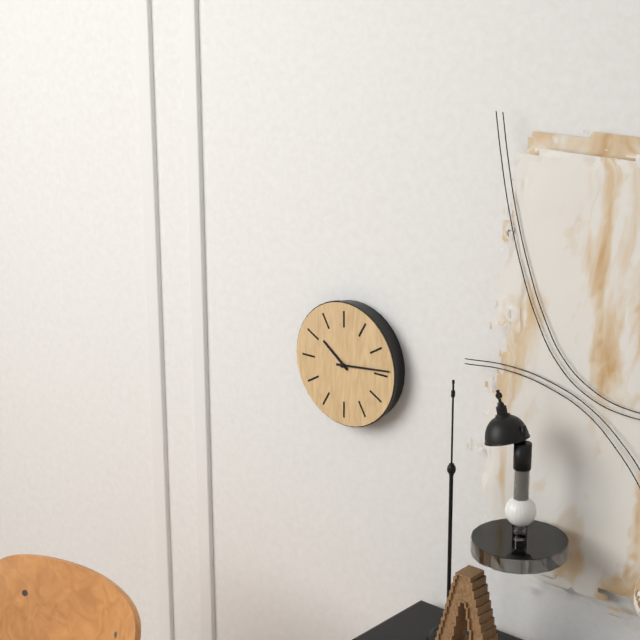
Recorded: 10h14
